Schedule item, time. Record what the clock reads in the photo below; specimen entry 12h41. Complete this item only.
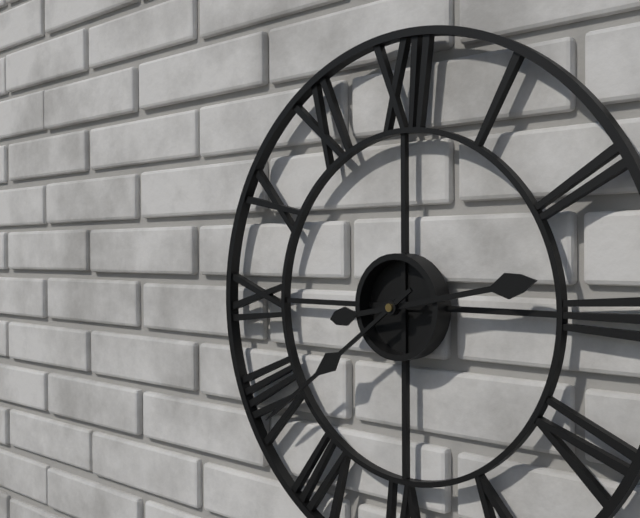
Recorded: 2h39
